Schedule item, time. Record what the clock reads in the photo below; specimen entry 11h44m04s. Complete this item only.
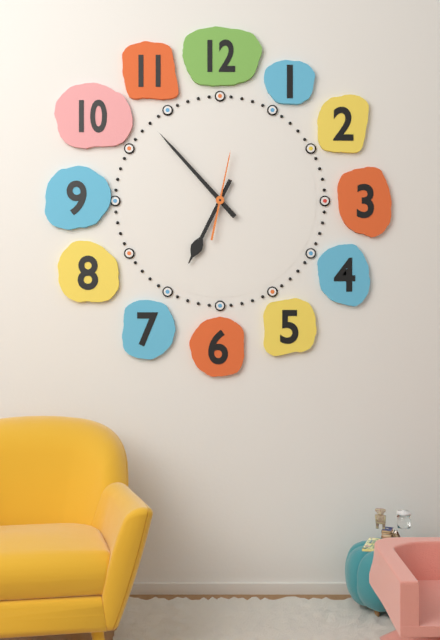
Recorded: 6h53m02s
